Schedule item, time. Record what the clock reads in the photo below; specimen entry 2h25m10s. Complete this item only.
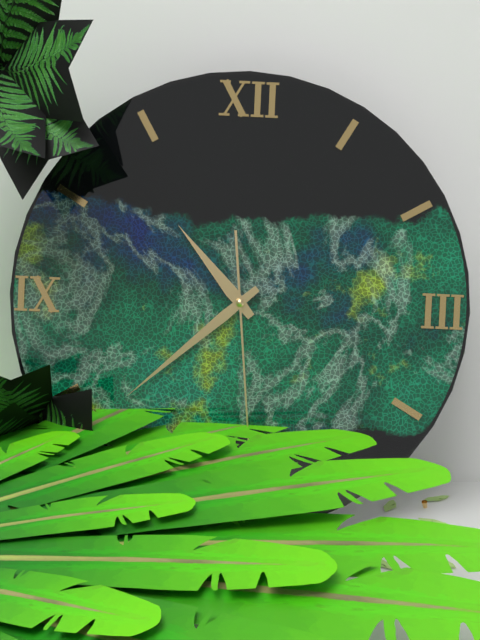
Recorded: 10h38m29s
